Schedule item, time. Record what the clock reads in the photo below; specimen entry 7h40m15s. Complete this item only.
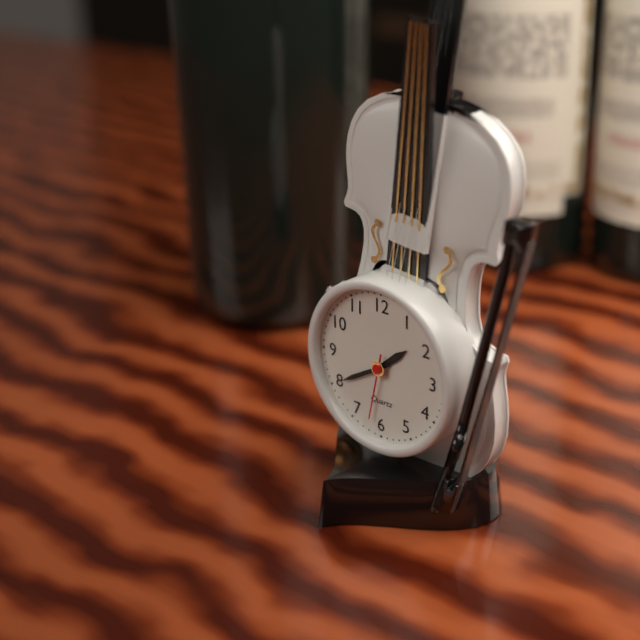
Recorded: 1h40m32s
